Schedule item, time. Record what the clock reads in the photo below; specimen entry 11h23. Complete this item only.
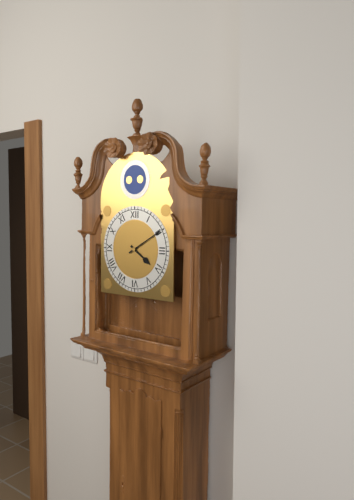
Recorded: 4h10
